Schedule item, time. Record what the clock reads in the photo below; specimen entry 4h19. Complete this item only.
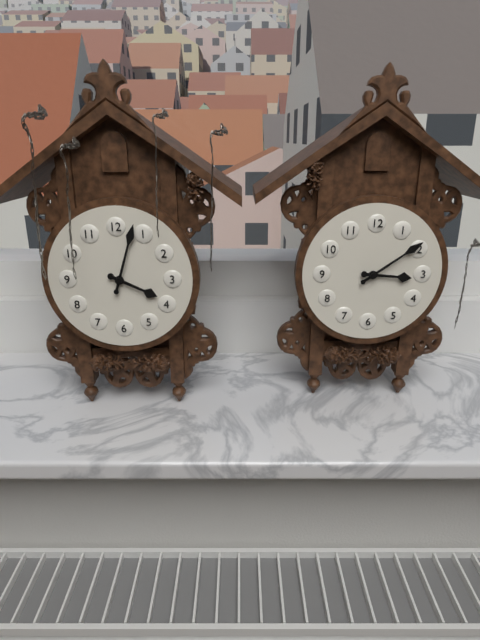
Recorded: 3h09
